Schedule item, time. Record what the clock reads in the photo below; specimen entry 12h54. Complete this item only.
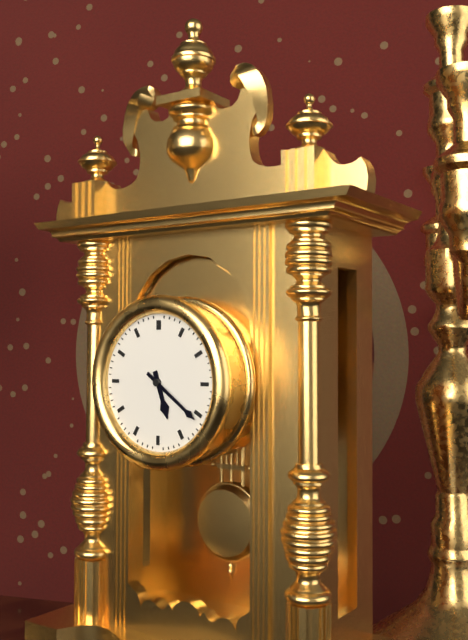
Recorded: 5h21
